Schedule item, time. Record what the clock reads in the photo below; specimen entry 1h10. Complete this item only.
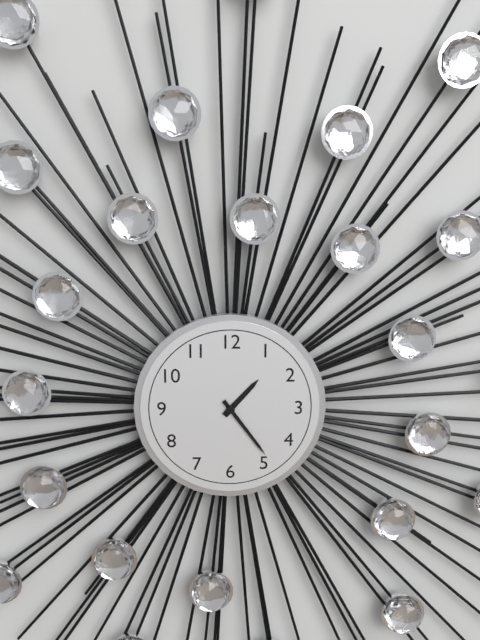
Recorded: 1h24
